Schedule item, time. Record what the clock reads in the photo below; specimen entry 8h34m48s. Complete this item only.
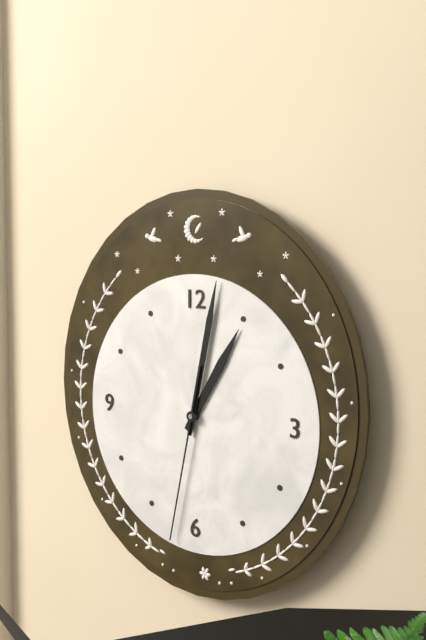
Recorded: 1h02m32s
